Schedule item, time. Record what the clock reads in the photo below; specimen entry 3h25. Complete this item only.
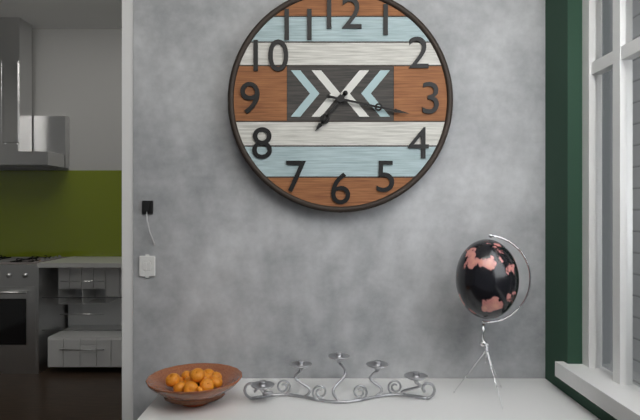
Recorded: 7h17
